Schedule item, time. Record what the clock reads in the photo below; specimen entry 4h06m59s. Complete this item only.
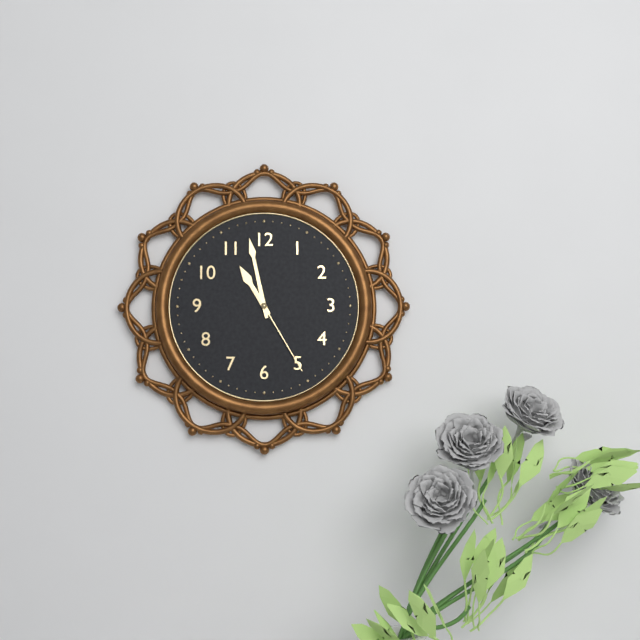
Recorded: 10h58m25s
